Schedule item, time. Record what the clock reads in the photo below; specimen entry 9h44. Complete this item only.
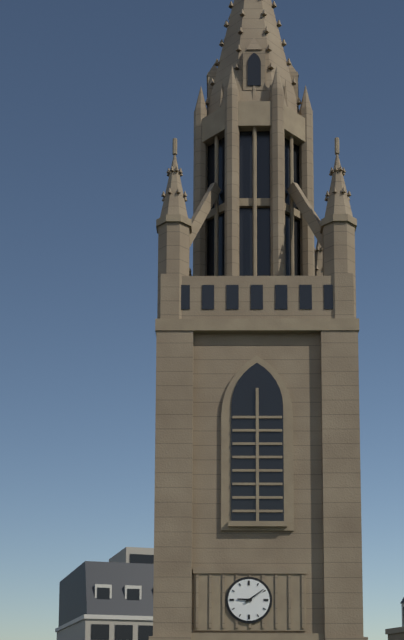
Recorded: 9h09
